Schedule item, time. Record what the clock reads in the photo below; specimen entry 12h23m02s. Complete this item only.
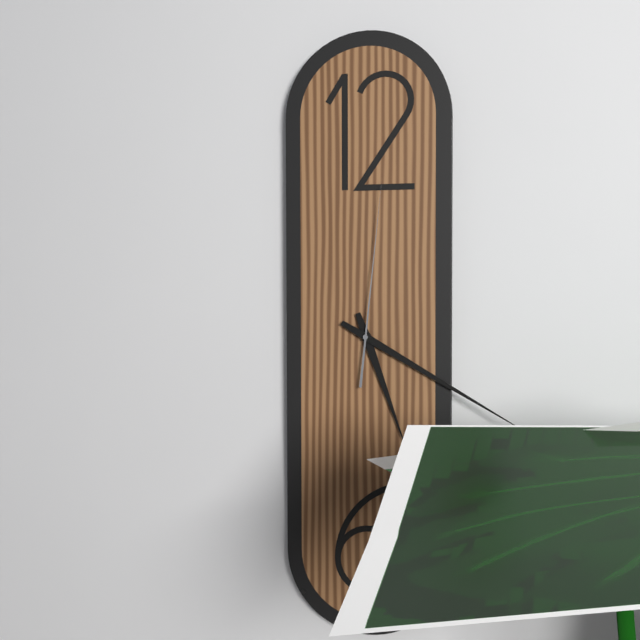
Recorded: 5h20m01s
